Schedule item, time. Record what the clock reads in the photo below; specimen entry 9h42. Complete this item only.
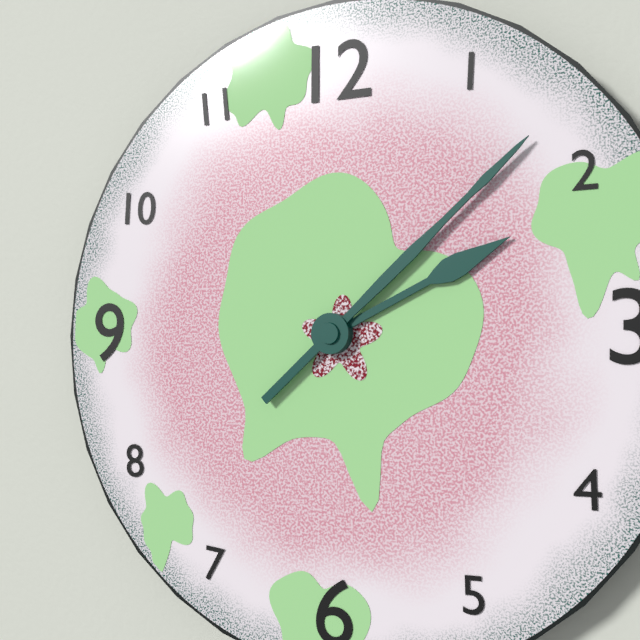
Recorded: 2h08
